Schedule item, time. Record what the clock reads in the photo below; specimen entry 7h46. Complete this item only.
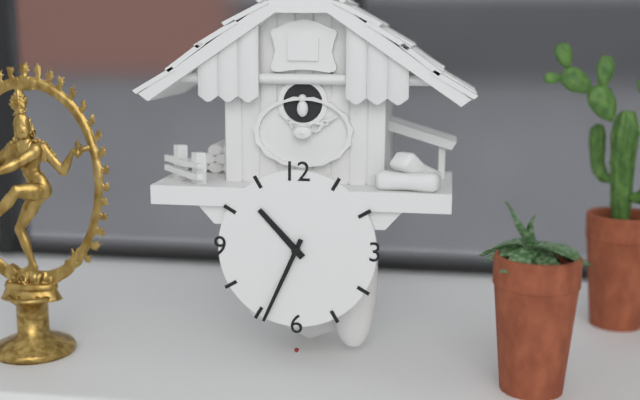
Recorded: 10h34
